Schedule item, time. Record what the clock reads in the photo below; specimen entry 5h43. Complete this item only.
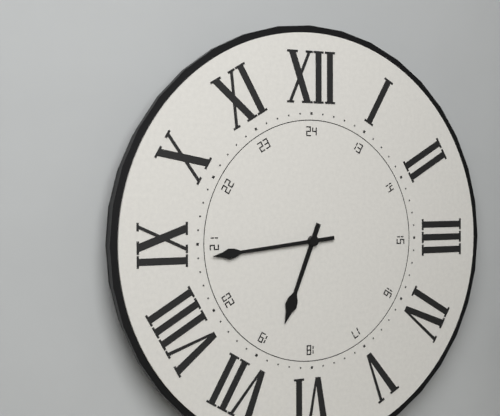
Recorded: 6h44
